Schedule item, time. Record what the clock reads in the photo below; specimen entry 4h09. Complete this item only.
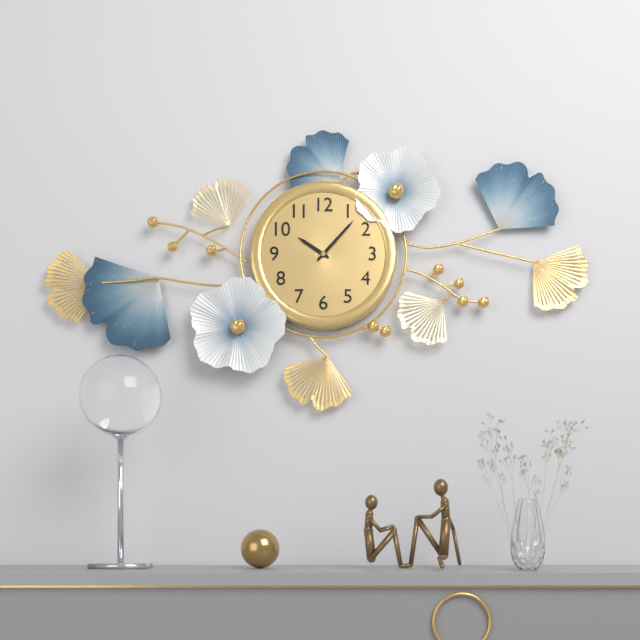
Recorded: 10h07
